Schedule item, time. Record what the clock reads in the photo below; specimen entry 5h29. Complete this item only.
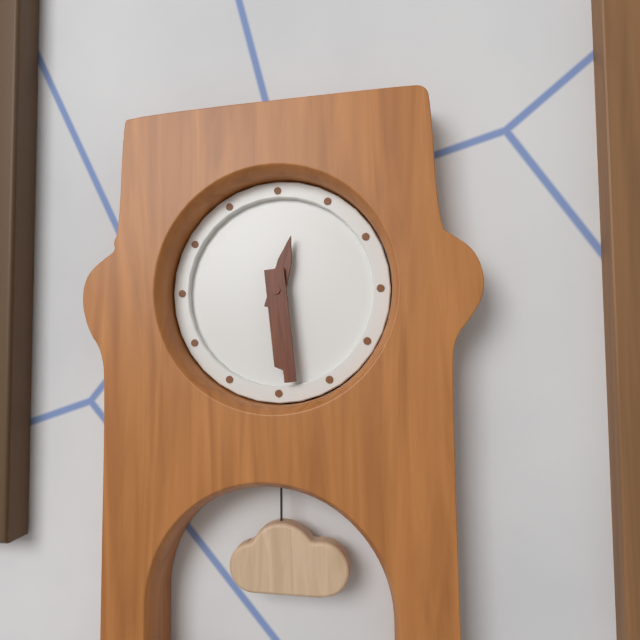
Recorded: 12h29
